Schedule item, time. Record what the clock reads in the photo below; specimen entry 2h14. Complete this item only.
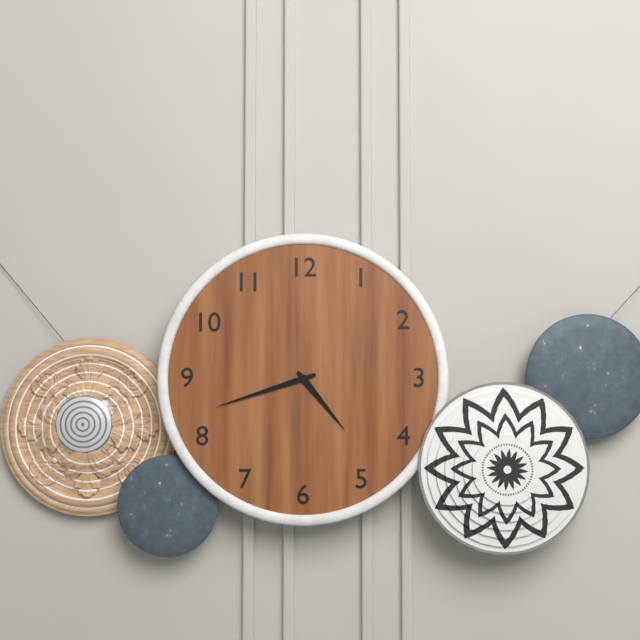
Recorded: 4h42
